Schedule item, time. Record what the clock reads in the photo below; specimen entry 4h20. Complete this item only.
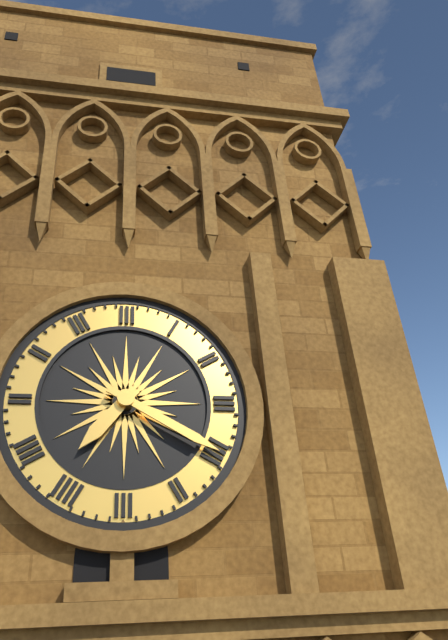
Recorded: 7h20
